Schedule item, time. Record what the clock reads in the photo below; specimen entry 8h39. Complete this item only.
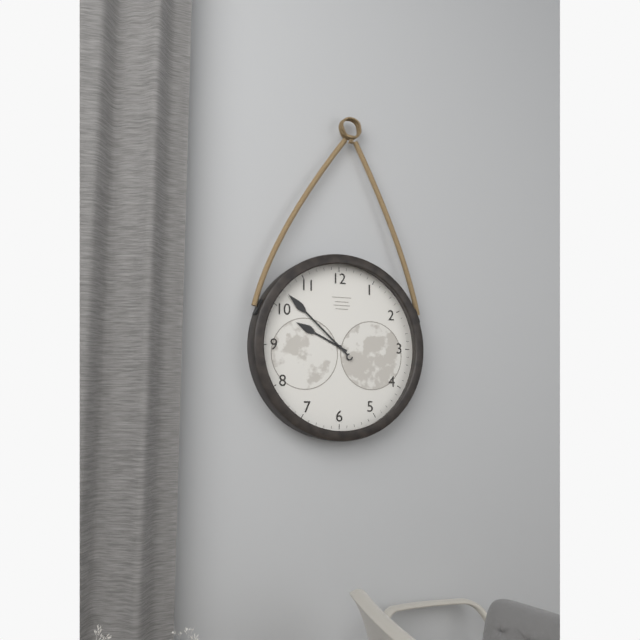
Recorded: 9h52
